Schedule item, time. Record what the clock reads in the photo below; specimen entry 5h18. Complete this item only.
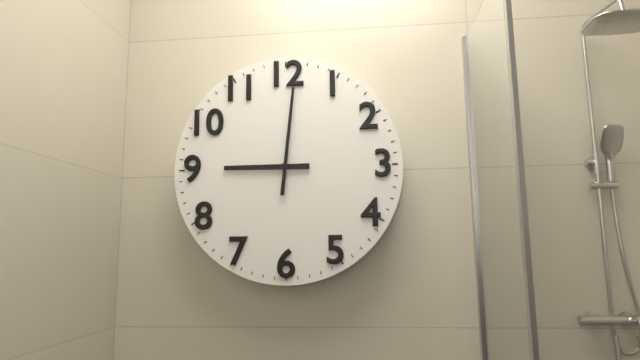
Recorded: 9h01
